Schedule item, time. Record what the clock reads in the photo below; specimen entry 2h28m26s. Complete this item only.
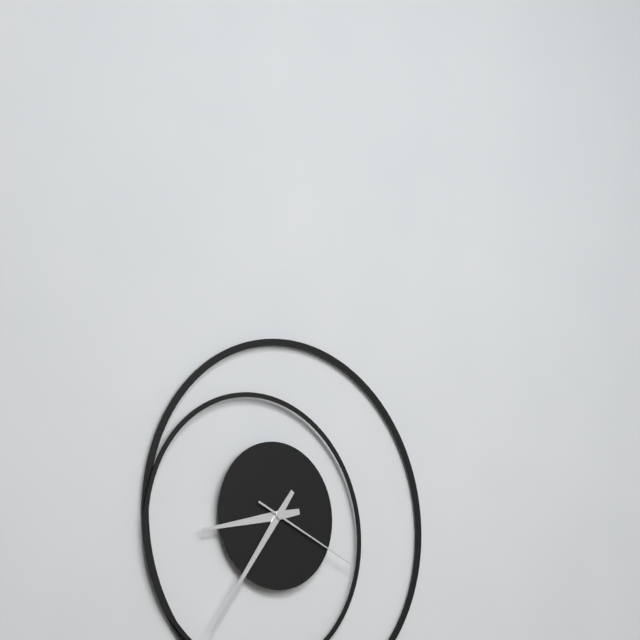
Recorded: 8h36m19s
